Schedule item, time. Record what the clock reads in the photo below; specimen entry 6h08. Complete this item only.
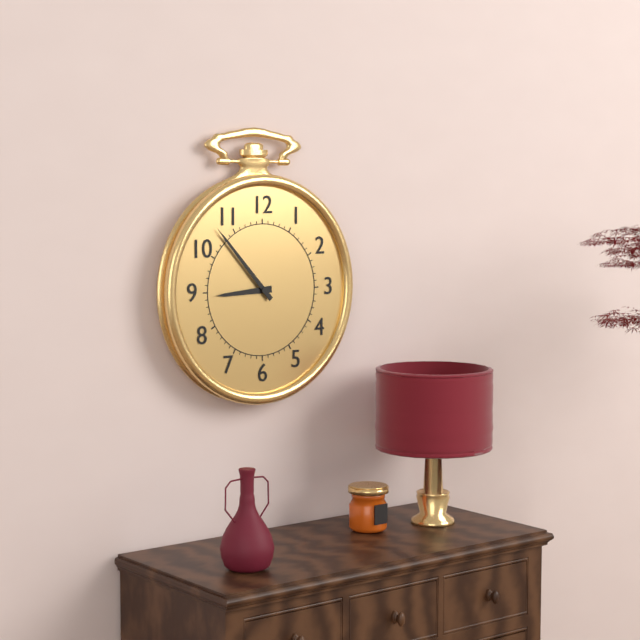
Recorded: 8h53
